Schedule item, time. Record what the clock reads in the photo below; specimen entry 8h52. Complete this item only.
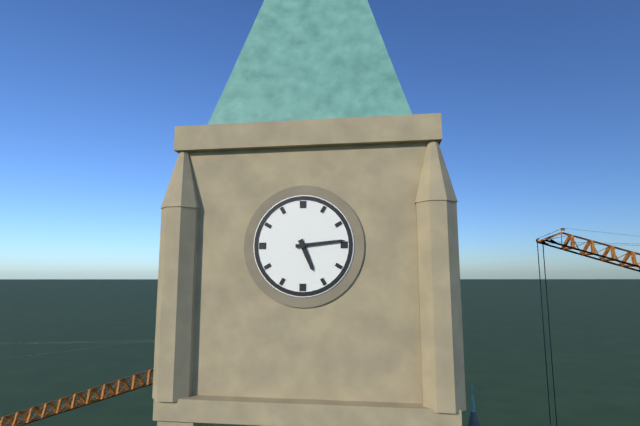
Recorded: 5h14
